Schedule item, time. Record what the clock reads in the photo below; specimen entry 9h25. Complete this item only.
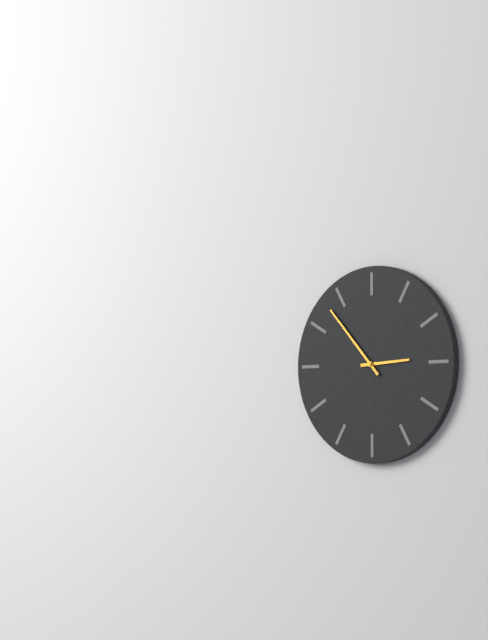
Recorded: 2h53
